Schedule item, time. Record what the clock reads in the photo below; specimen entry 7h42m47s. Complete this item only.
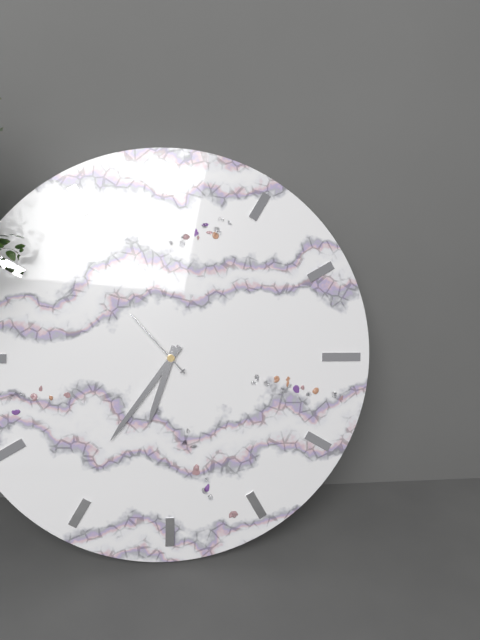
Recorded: 6h36m53s
